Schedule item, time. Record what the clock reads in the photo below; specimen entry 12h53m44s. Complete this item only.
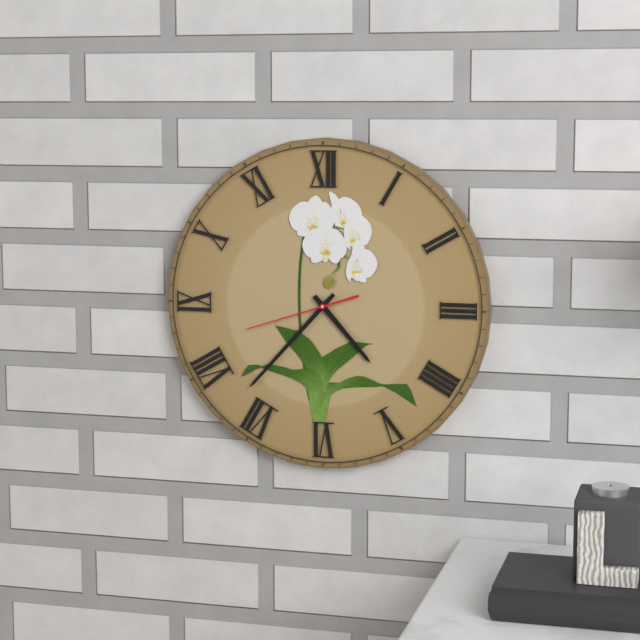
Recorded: 4h37m42s
